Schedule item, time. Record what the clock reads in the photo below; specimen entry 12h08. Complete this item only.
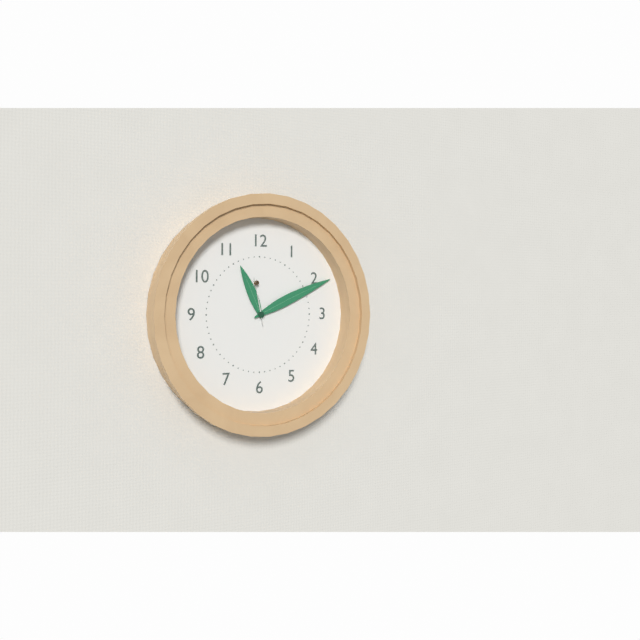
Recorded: 11h11
